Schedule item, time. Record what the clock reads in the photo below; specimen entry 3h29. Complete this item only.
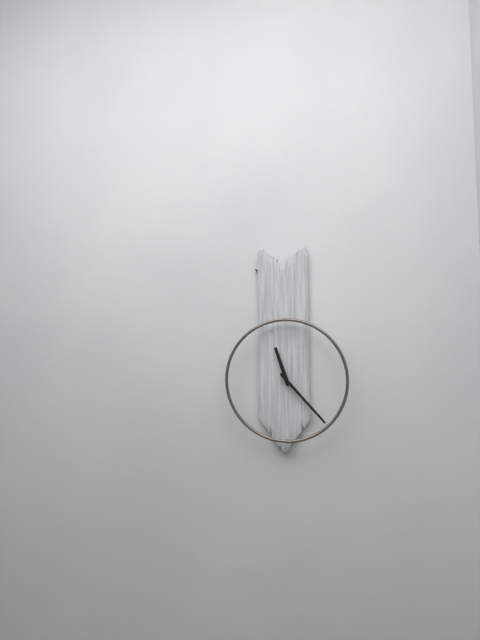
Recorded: 11h23
